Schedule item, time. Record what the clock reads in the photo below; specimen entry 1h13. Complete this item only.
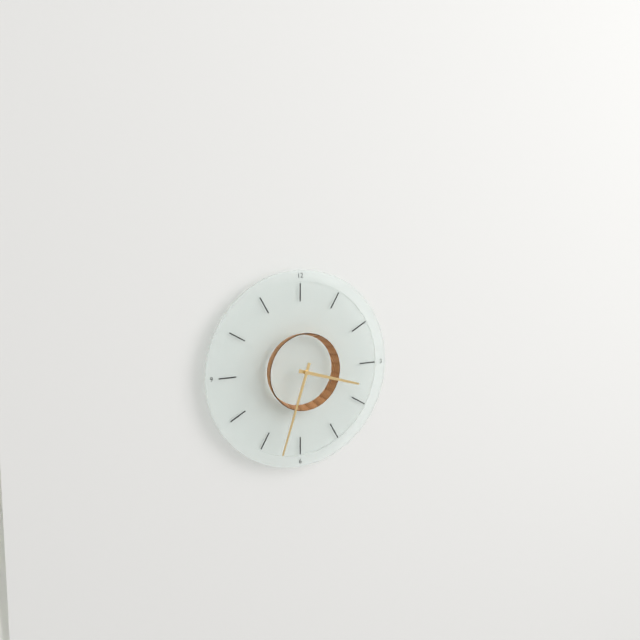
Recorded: 3h33
